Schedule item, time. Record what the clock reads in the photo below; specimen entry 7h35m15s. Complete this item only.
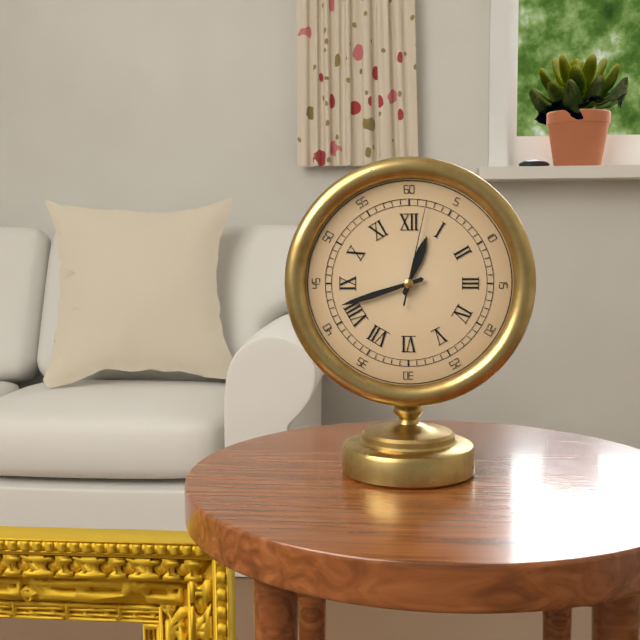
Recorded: 12h42m02s
